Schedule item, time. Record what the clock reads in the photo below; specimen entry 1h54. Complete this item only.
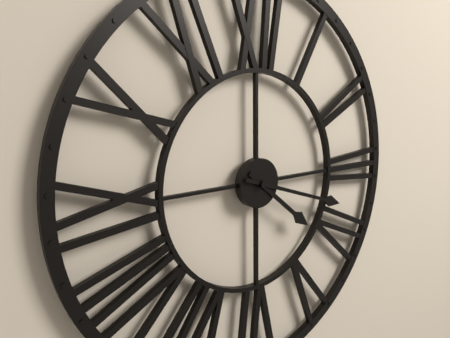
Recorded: 4h18
